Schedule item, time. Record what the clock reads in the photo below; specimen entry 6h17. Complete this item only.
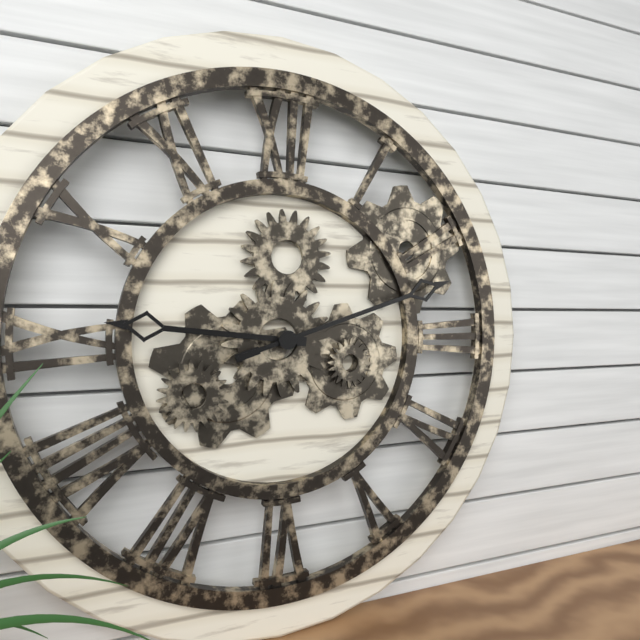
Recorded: 9h12
